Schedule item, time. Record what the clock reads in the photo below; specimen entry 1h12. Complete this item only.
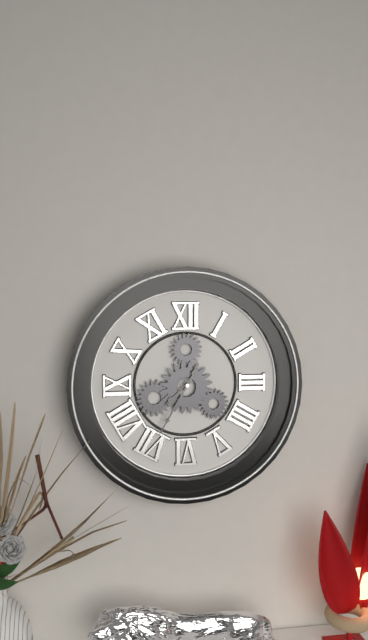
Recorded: 7h35
